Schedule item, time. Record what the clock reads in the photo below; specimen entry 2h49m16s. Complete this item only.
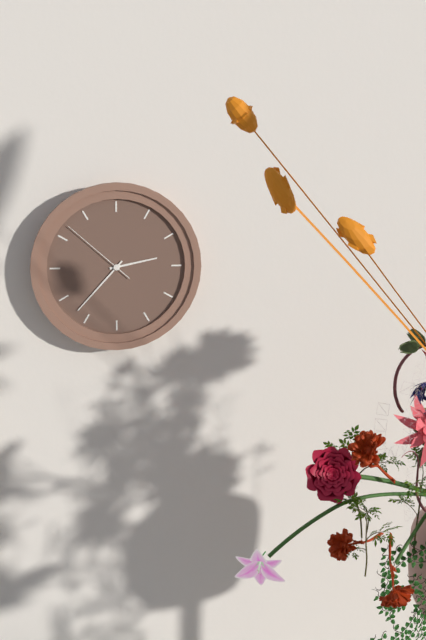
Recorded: 2h37m52s
